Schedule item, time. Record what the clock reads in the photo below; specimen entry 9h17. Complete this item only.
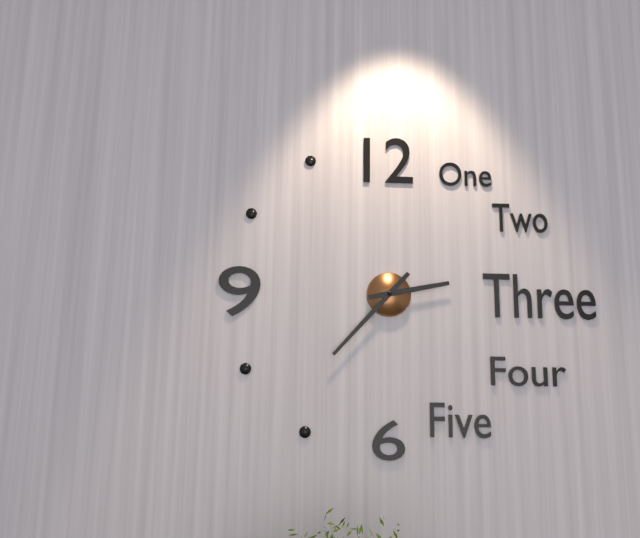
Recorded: 2h37
